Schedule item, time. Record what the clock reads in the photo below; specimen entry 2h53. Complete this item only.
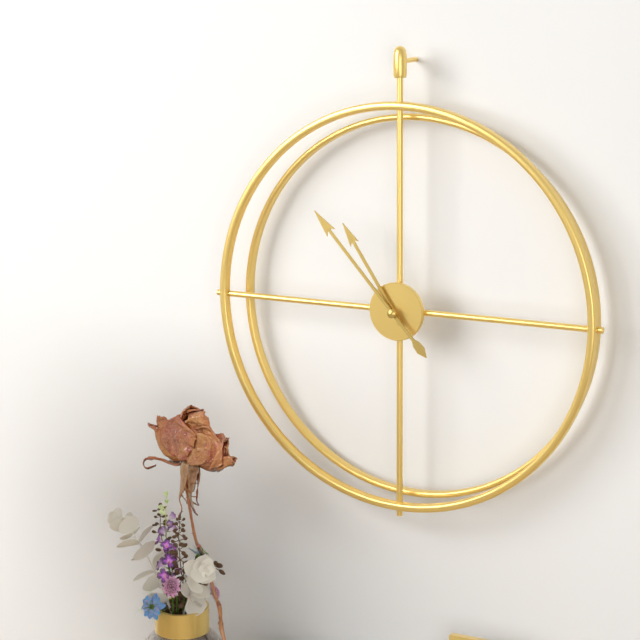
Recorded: 10h53
